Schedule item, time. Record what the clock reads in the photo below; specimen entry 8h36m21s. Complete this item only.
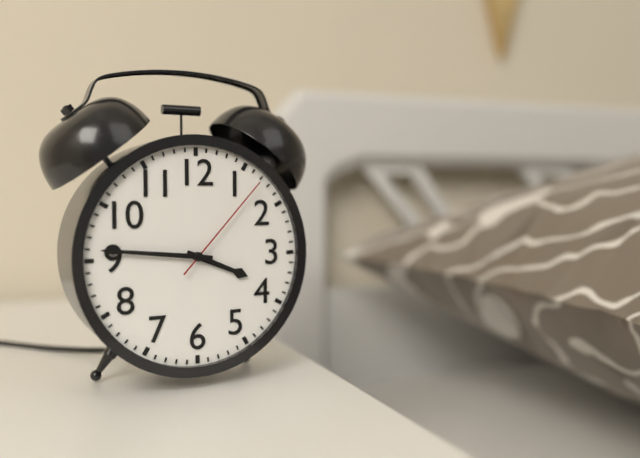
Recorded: 3h46m07s
